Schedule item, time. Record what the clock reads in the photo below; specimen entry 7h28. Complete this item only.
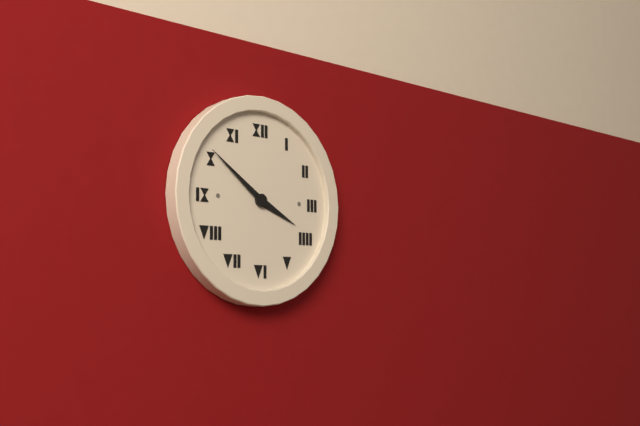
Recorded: 3h51
